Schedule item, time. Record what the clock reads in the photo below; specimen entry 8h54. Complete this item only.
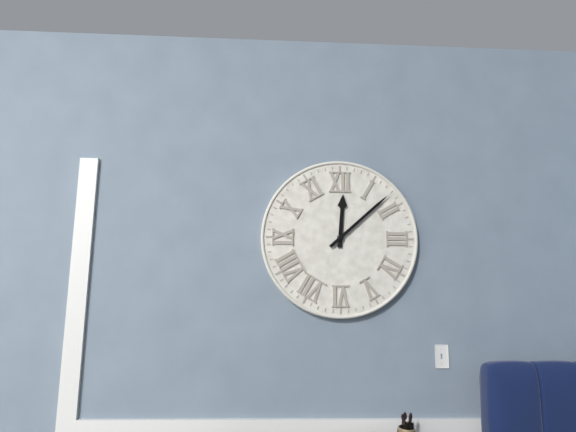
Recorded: 12h08
